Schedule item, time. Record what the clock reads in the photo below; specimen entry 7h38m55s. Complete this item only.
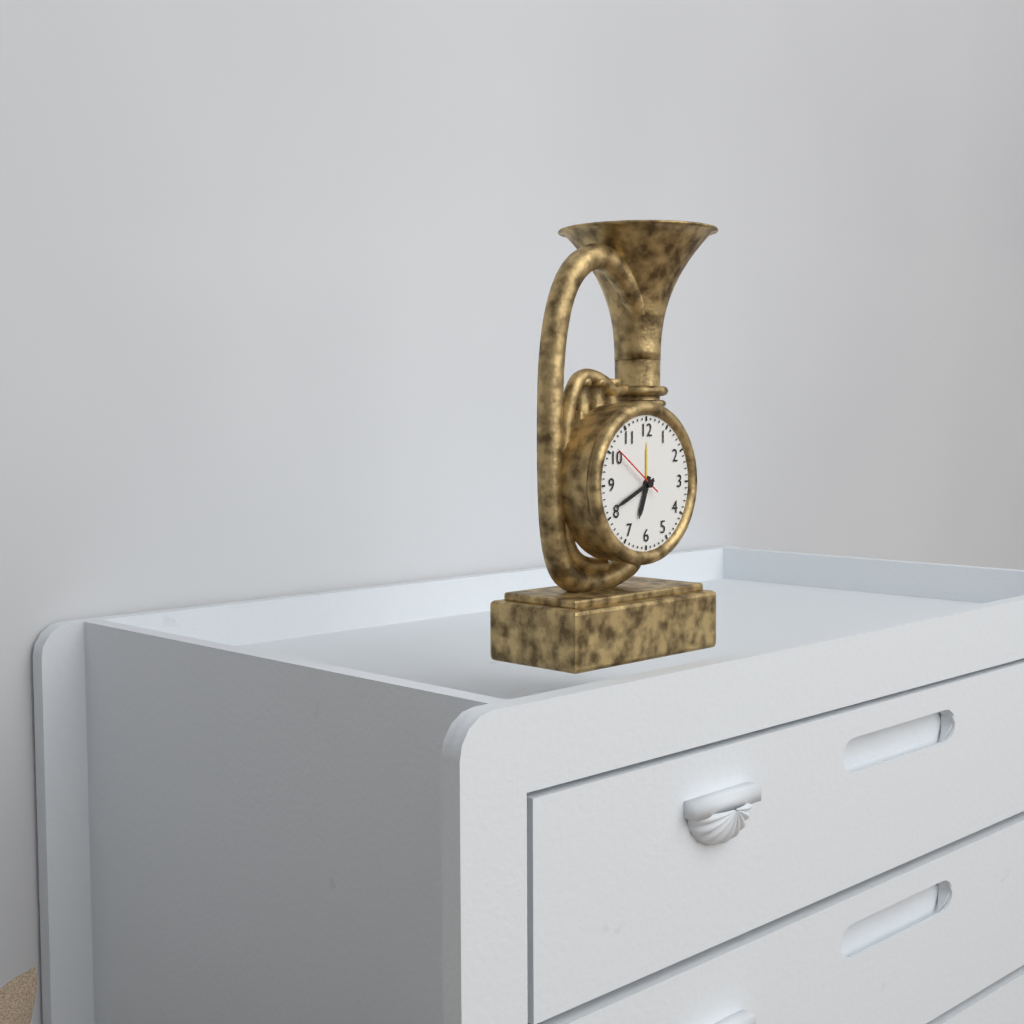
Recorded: 6h41m51s
